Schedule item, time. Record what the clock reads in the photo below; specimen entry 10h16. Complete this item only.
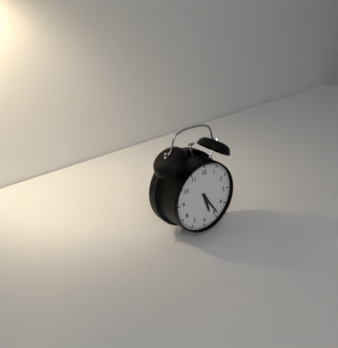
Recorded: 5h24
